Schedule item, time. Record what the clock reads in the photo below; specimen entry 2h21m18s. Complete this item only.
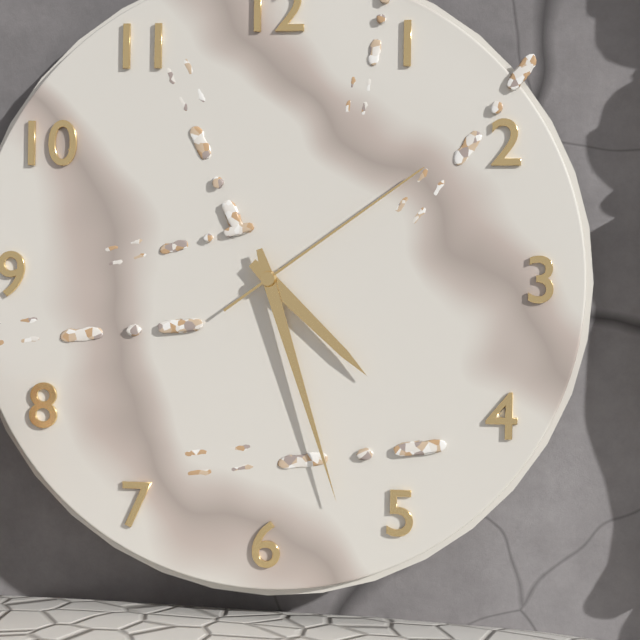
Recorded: 4h27m09s
